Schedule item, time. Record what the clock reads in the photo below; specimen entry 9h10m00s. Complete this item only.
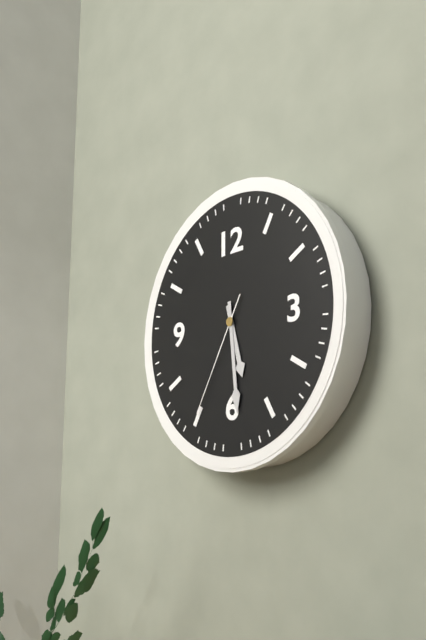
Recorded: 5h29m35s
